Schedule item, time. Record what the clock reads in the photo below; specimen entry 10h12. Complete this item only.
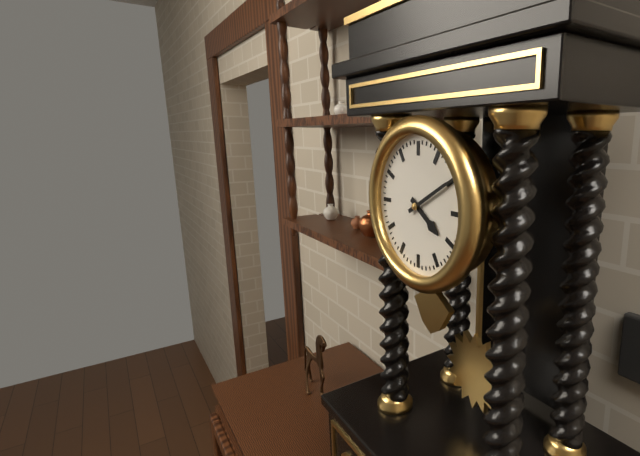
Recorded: 4h10
